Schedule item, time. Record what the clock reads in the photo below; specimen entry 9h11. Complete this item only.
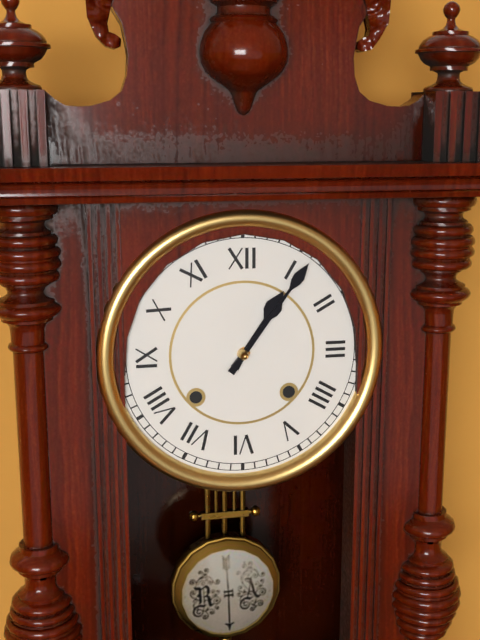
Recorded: 1h06
